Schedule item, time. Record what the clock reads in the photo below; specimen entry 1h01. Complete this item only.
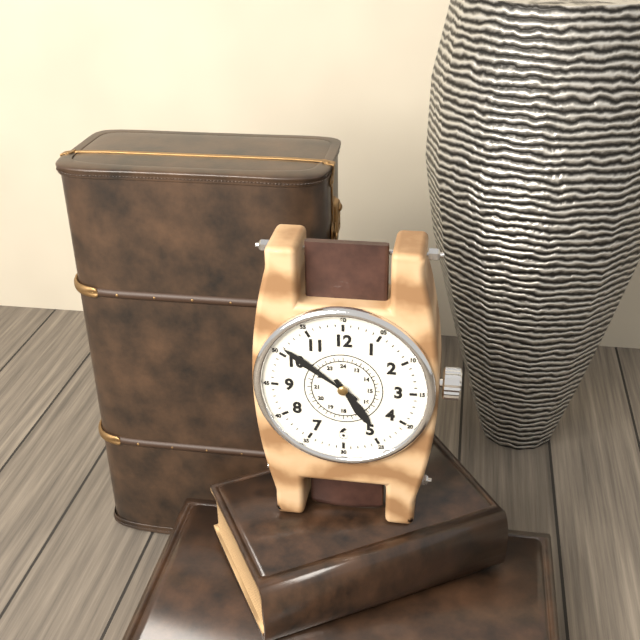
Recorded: 4h51
